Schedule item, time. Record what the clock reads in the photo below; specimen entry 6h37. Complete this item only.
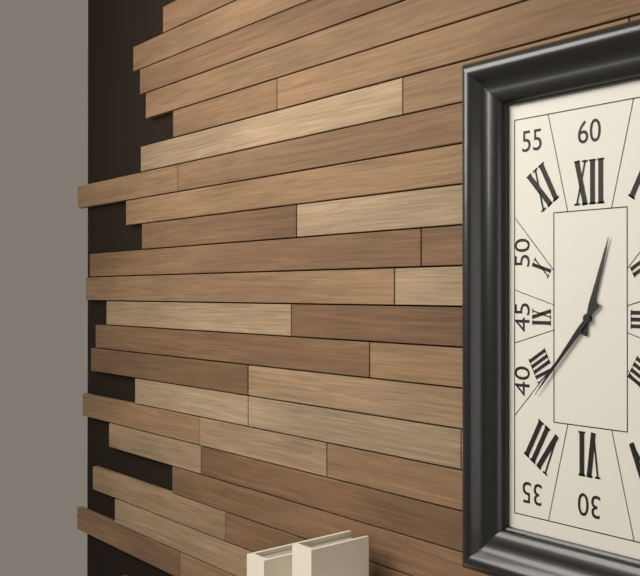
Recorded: 12h37
